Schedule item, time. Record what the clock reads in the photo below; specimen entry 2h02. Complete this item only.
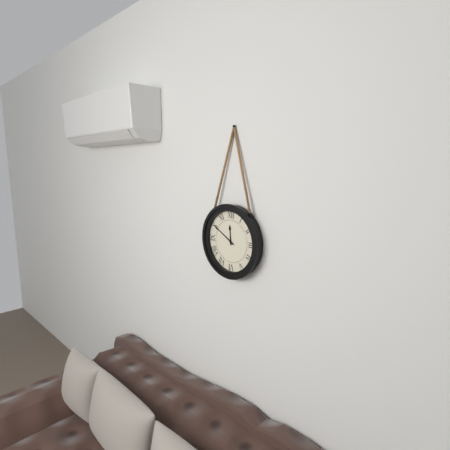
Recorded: 11h50
